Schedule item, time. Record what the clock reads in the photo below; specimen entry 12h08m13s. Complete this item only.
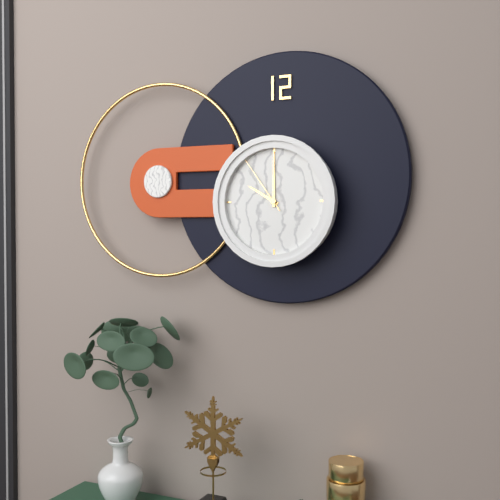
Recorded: 10h00m54s
